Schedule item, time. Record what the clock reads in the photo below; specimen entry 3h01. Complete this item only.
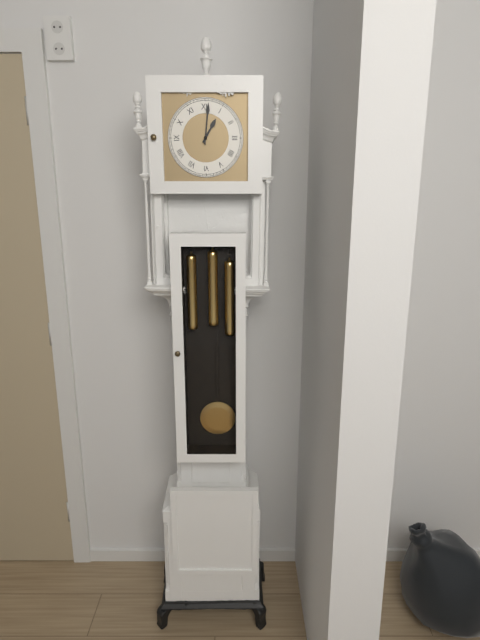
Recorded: 1h01
